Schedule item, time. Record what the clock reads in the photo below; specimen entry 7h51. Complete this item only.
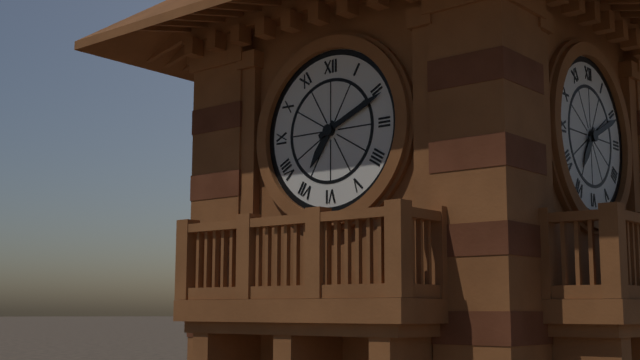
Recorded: 7h11
